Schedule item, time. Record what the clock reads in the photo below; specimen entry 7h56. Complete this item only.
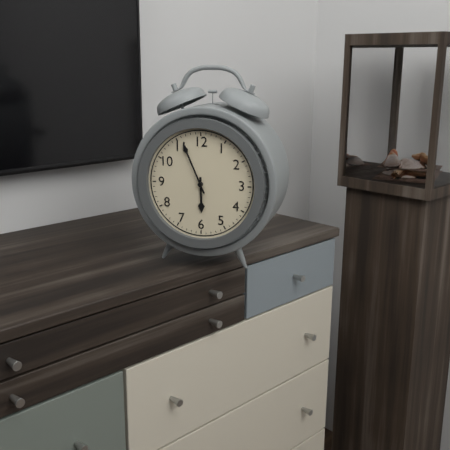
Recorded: 5h56
